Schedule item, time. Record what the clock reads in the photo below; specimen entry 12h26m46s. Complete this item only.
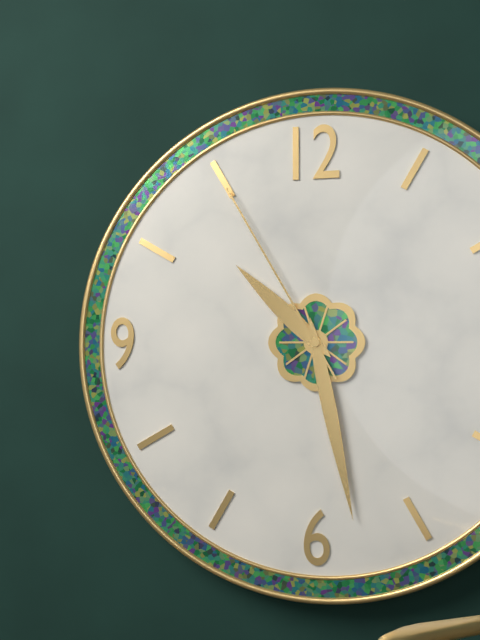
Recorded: 10h28m55s
